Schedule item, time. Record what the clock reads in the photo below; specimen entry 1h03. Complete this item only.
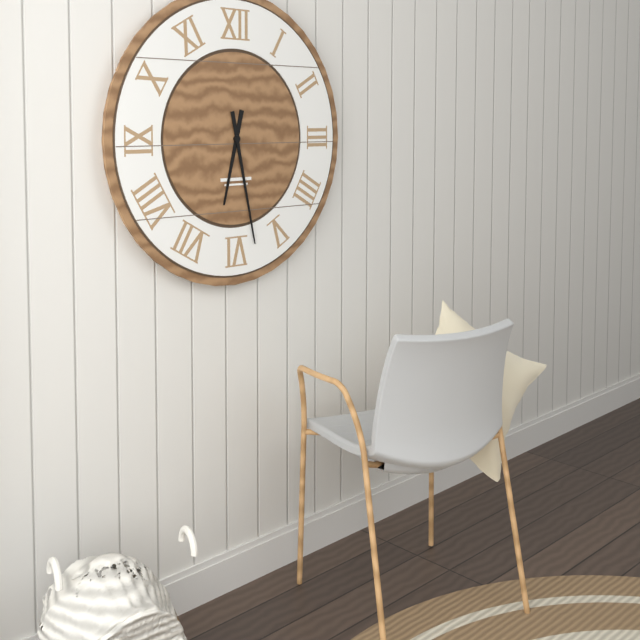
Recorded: 6h28
